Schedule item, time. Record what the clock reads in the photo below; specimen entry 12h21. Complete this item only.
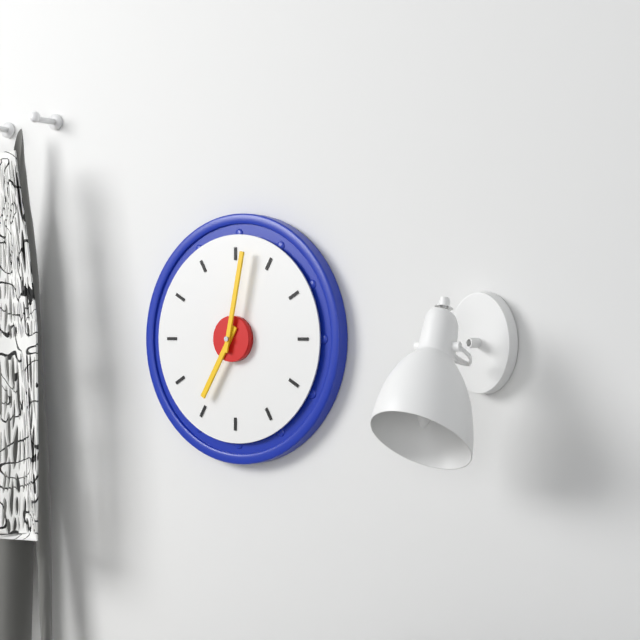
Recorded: 7h02
